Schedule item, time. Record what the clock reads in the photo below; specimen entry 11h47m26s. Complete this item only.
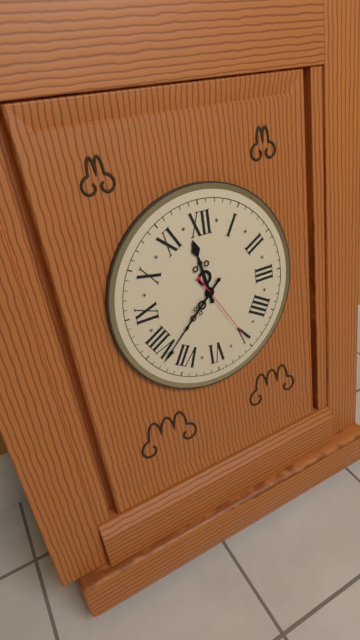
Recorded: 11h38m25s
